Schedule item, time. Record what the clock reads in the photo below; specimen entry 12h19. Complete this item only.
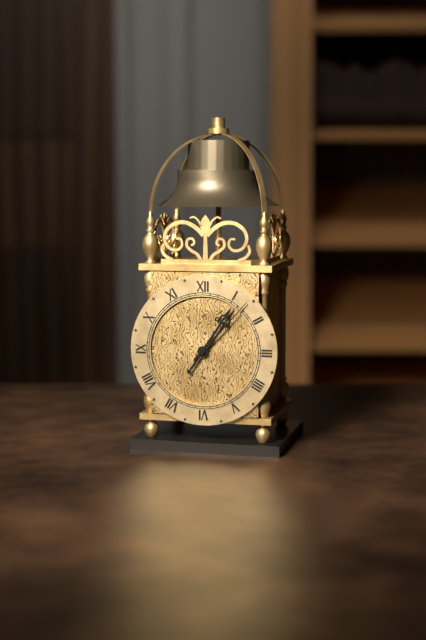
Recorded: 1h07
